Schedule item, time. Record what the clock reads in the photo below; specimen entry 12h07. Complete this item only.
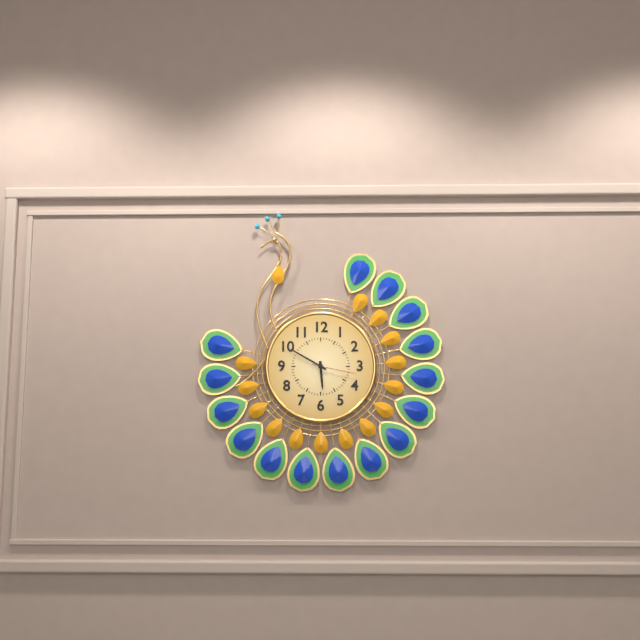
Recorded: 5h50
